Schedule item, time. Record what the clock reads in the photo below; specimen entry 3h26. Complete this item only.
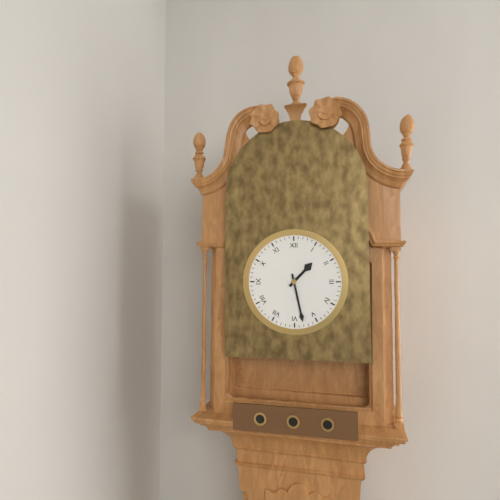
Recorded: 1h28
